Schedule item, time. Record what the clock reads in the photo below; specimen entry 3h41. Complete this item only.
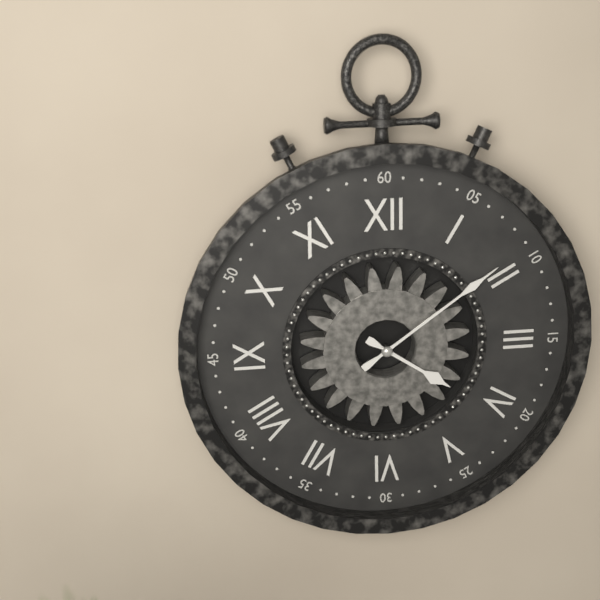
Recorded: 4h09
